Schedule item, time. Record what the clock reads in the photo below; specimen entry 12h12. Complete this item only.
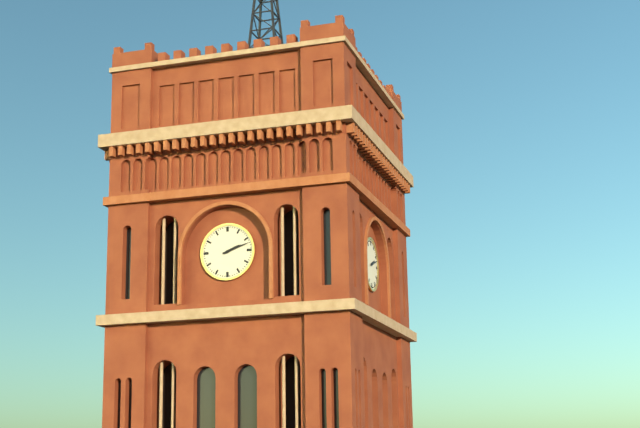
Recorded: 2h12
